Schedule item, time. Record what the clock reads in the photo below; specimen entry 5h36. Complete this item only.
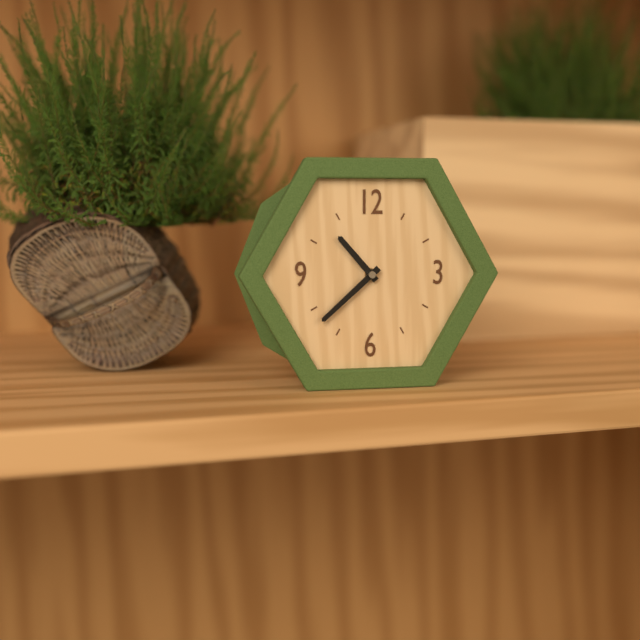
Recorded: 10h38
